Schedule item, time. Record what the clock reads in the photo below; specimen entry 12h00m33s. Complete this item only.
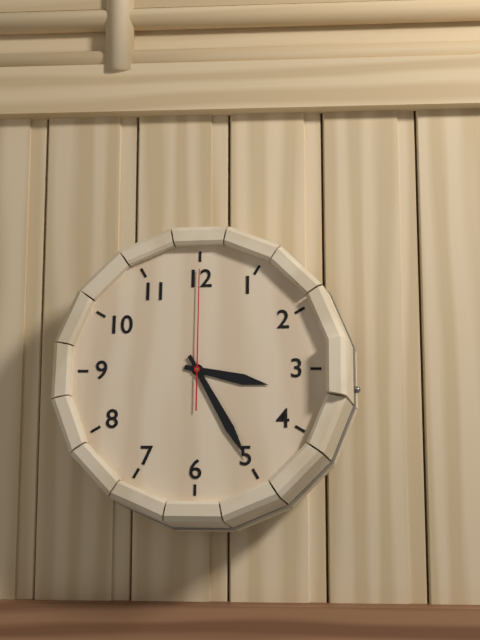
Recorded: 3h25m00s
